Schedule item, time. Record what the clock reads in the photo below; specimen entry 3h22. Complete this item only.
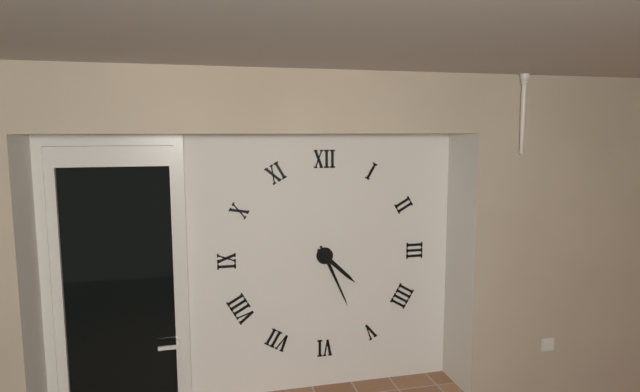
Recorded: 4h26
